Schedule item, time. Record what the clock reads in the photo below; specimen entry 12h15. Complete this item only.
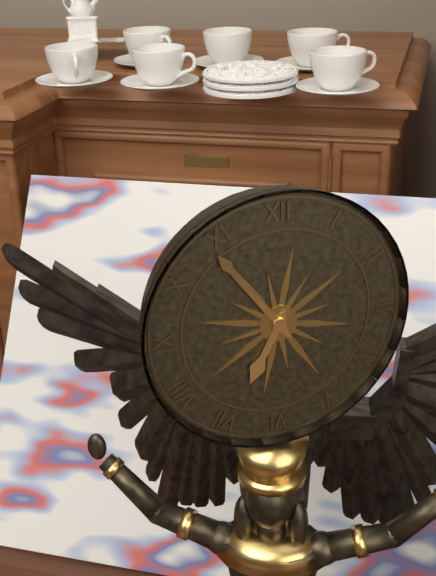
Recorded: 6h54
